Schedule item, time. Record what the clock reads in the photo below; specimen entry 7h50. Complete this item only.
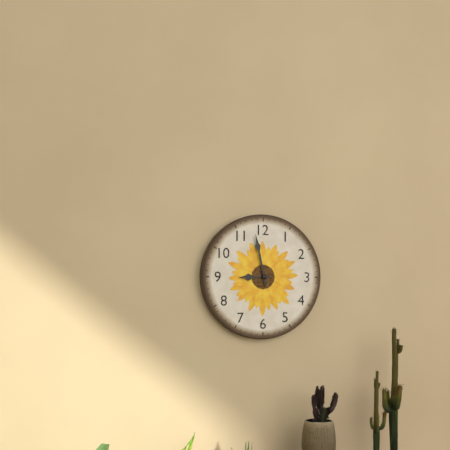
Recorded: 8h58
